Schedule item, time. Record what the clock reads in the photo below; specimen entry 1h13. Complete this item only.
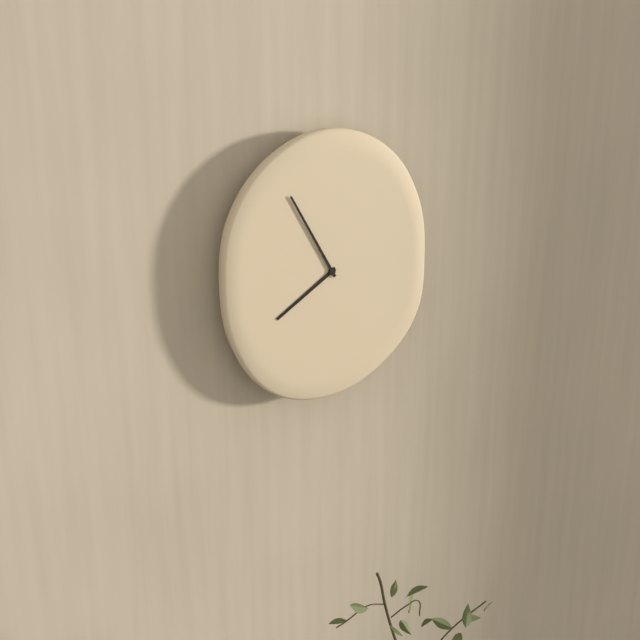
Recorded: 7h55
